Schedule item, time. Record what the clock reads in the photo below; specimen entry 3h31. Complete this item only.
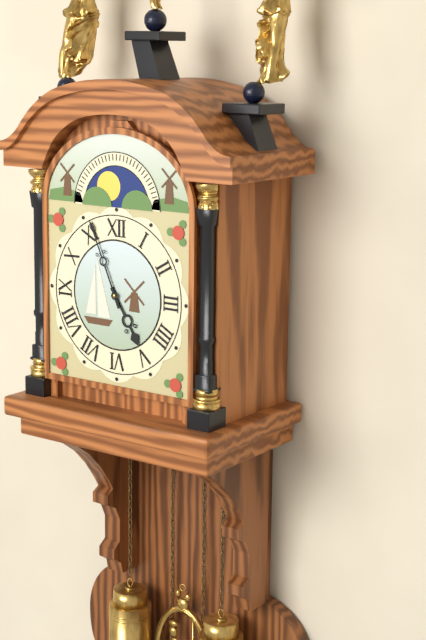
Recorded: 4h56
